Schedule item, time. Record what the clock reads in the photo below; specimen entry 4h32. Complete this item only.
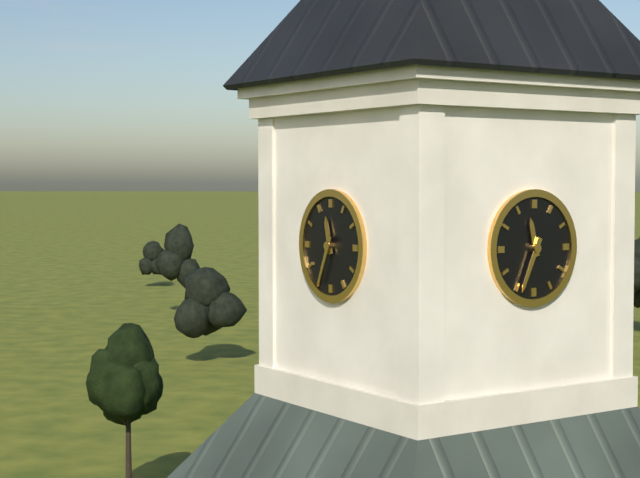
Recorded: 11h34
